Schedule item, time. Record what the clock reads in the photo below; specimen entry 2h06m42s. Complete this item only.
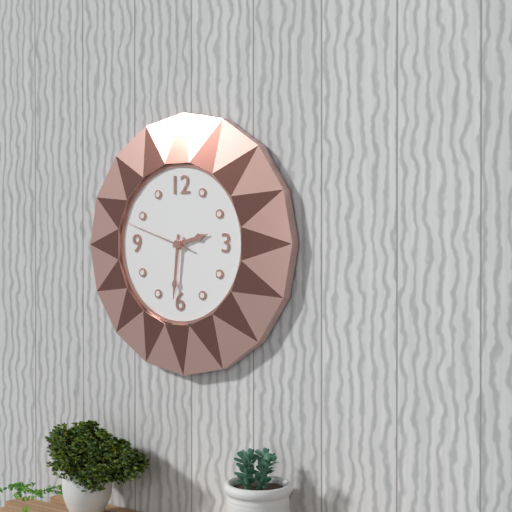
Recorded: 2h31m48s
